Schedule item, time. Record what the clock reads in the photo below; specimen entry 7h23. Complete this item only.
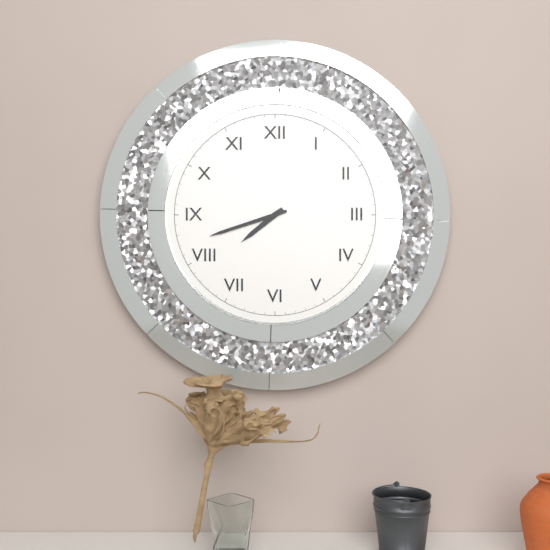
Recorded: 7h42
